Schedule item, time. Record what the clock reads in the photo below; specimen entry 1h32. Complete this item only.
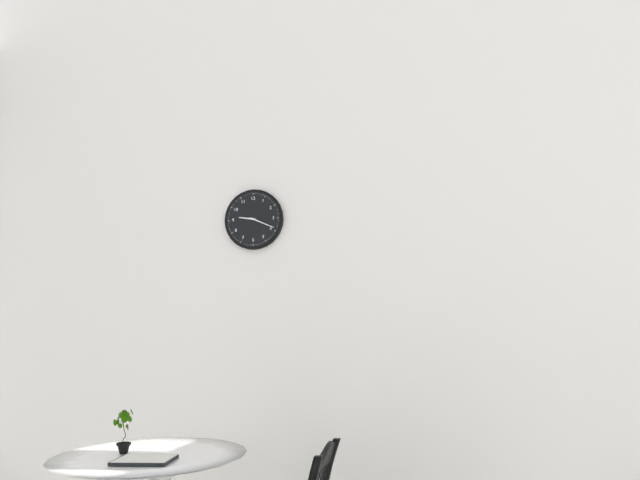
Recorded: 9h19
